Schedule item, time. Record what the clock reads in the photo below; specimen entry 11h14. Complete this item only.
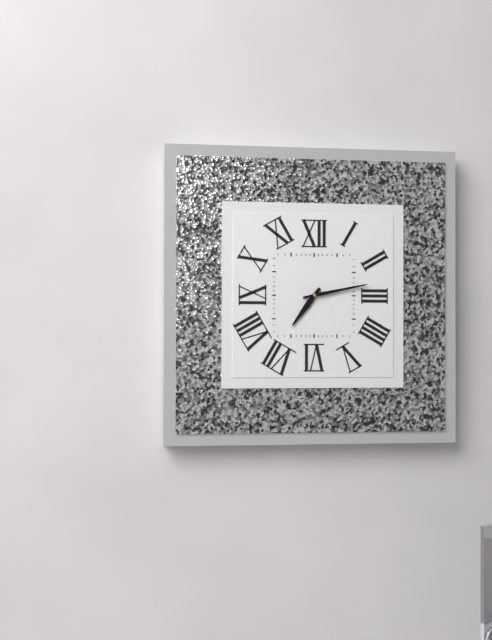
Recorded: 7h13
